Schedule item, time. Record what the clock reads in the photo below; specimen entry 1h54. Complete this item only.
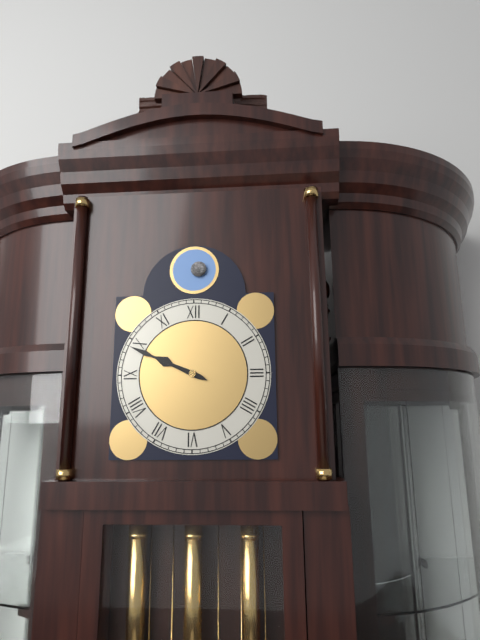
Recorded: 9h49
